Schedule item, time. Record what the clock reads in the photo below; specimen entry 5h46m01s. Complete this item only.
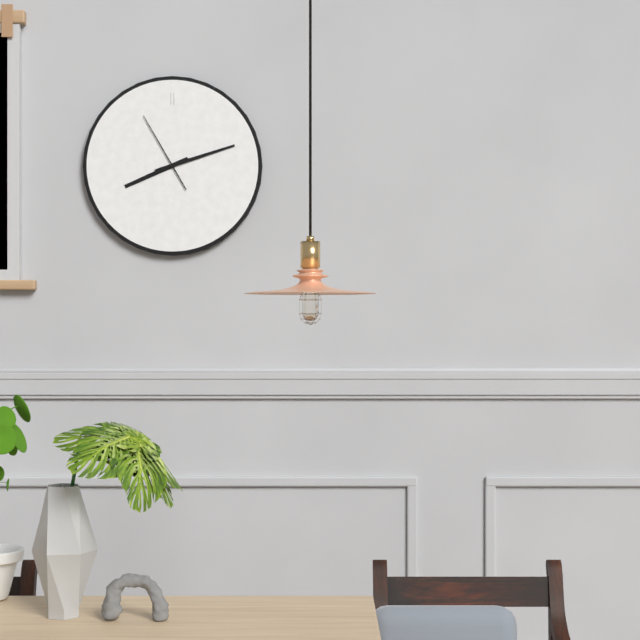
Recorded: 8h12m55s
